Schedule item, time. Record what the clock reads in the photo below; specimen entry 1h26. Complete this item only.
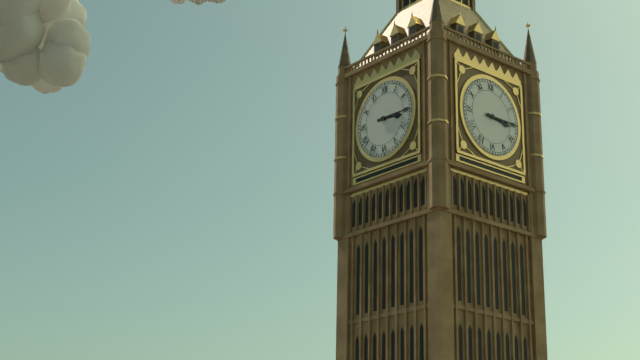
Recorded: 3h15
